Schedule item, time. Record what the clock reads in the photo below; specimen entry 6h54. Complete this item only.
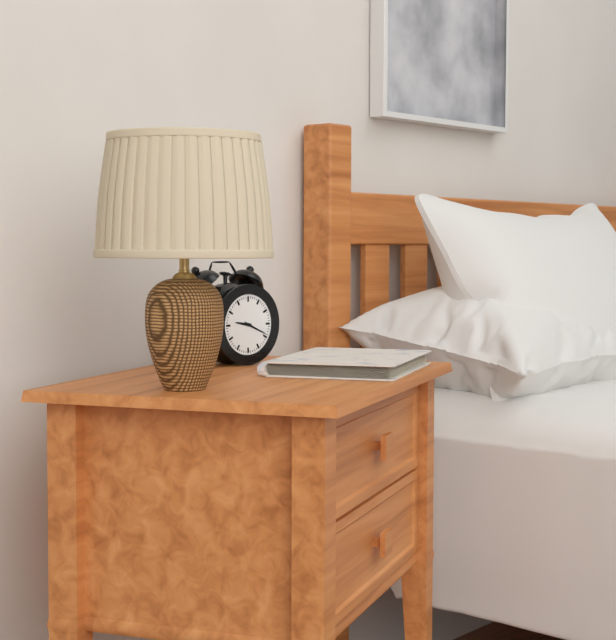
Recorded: 9h19
